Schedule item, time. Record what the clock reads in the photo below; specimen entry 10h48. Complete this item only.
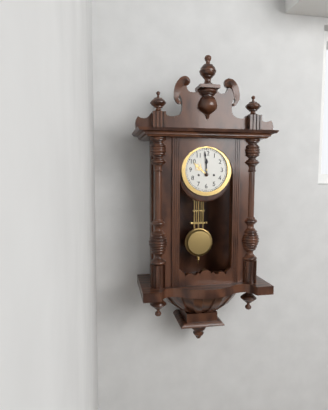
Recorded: 11h59
